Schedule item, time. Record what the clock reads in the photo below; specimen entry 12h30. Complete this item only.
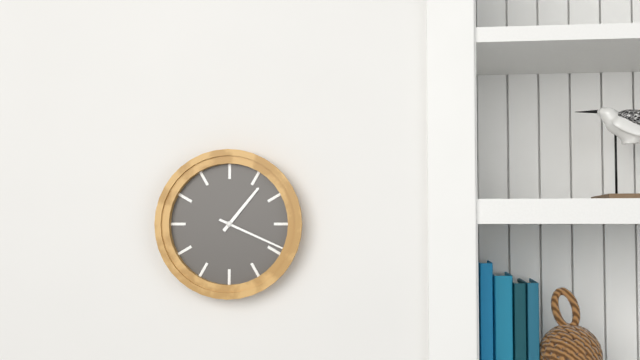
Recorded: 1h19
